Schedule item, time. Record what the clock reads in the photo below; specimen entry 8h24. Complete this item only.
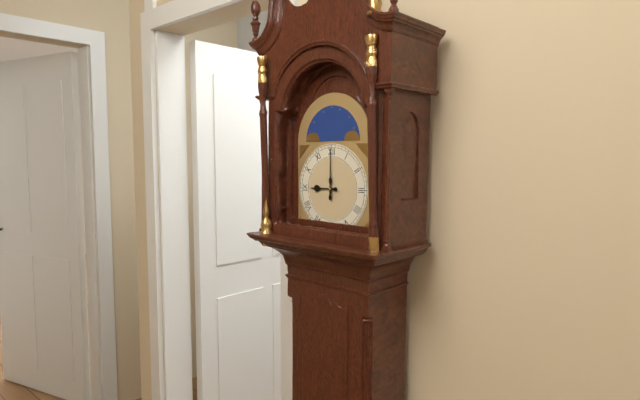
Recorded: 9h00
